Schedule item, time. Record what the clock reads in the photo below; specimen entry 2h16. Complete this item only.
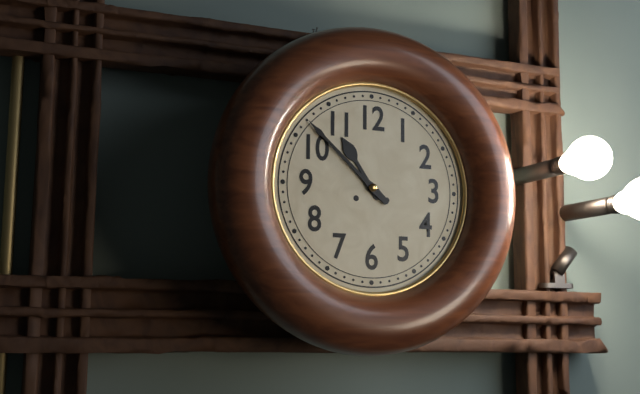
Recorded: 10h52
